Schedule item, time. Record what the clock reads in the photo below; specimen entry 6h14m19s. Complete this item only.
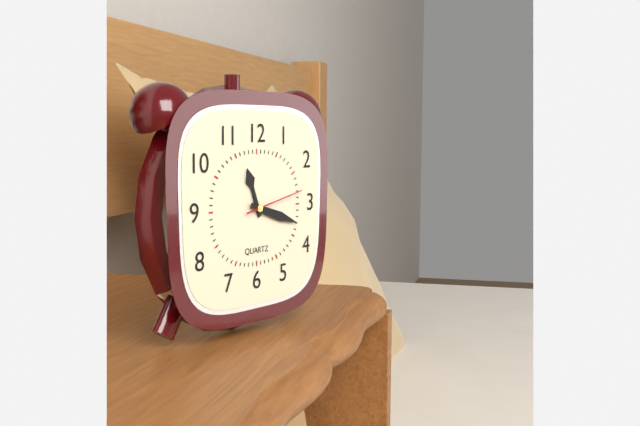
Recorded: 11h18m13s
